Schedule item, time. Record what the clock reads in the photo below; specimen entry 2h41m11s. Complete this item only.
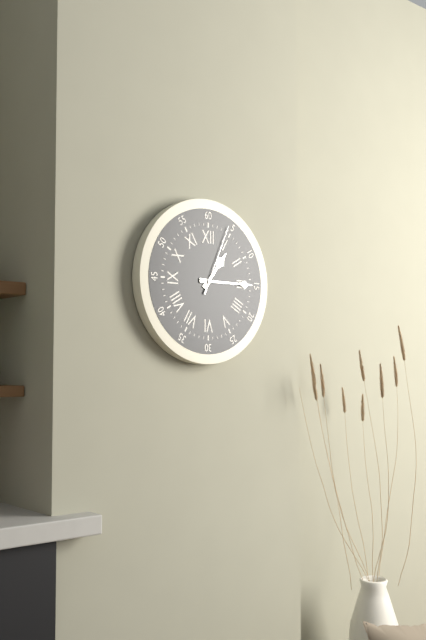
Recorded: 1h15m04s
